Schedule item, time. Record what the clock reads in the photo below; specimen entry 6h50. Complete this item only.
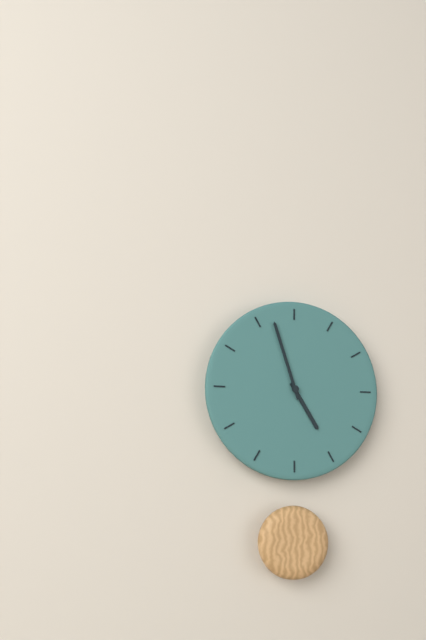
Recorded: 4h57
